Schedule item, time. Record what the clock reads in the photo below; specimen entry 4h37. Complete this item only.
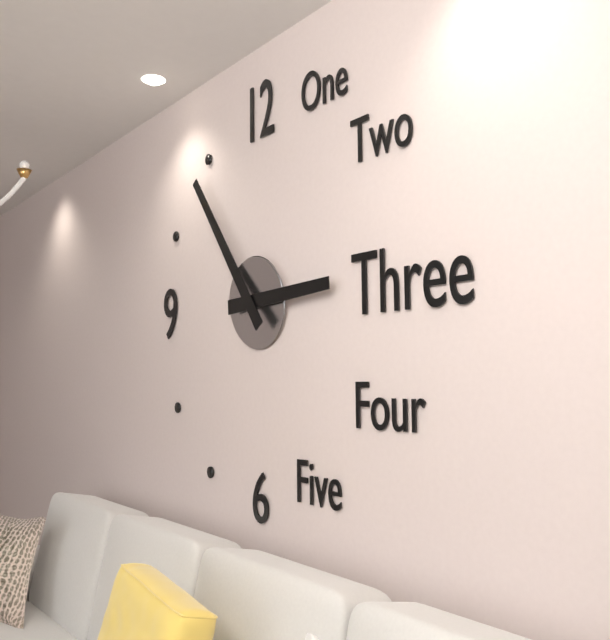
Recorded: 2h54
